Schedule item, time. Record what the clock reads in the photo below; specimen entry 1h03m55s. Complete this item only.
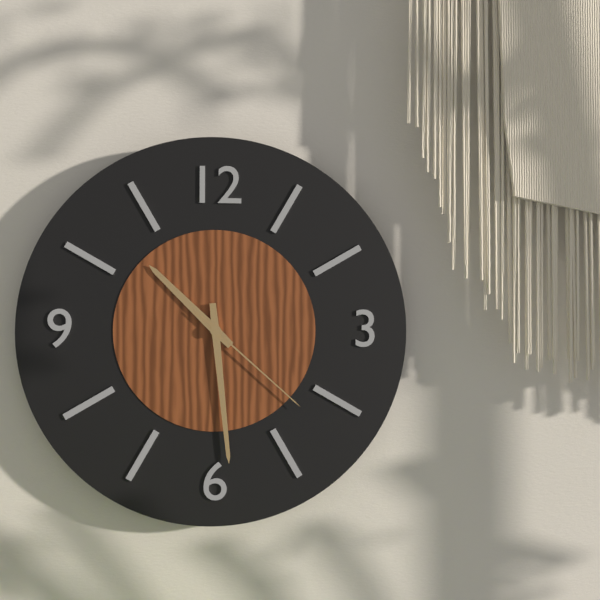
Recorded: 10h29m22s
